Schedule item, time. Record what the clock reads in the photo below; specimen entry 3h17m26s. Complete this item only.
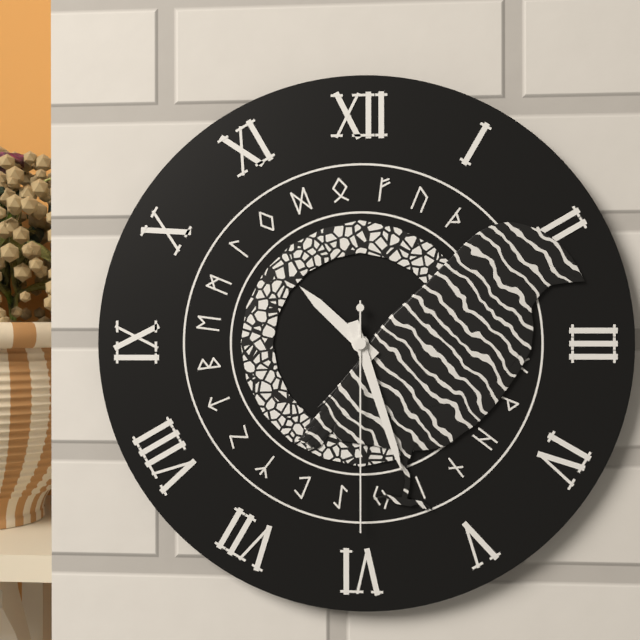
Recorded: 10h27m30s
